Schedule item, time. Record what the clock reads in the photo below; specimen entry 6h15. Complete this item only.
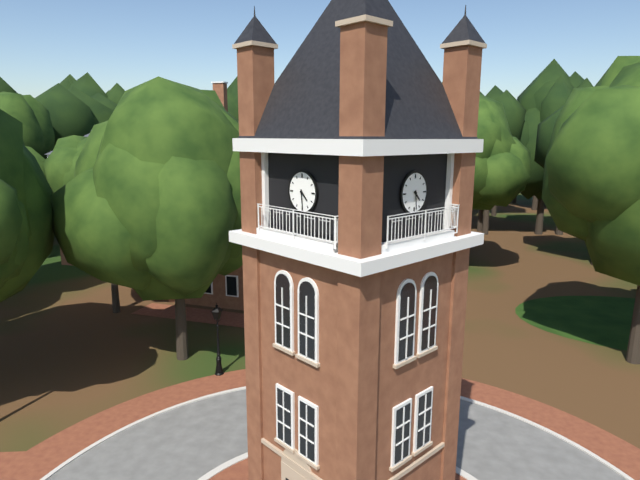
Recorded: 4h29
